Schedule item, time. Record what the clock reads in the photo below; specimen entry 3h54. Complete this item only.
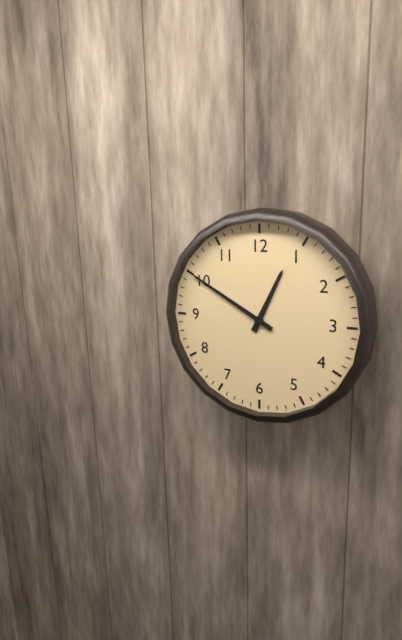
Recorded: 12h50
